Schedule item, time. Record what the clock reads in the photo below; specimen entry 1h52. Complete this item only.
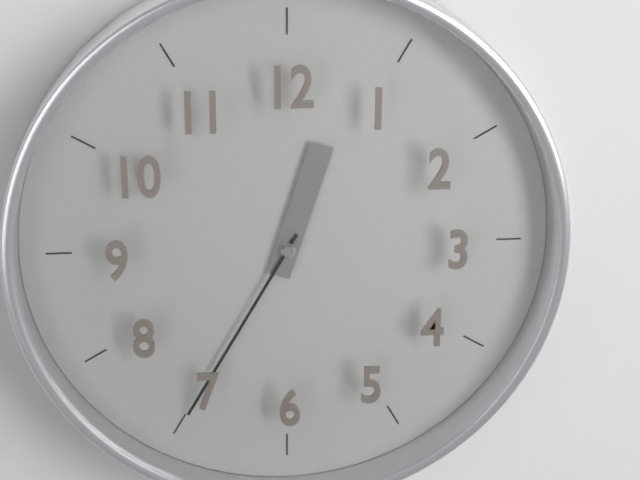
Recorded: 12h35
